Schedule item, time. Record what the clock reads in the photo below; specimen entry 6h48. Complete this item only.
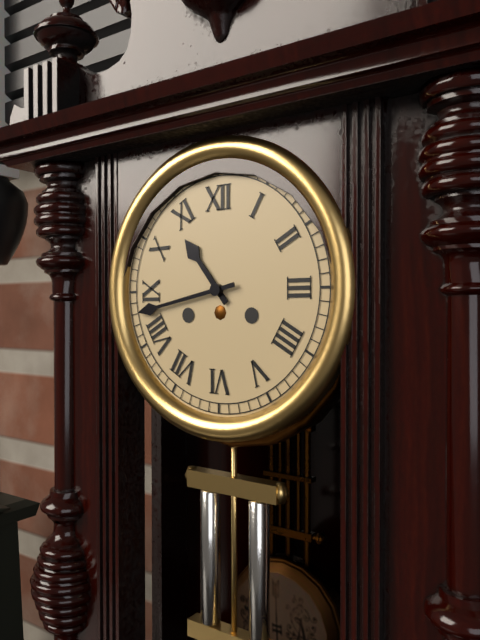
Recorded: 10h43
